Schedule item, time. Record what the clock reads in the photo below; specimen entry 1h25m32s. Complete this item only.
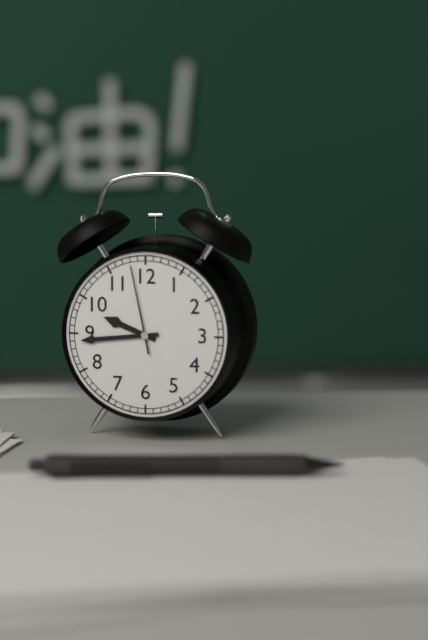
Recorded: 9h44m58s
